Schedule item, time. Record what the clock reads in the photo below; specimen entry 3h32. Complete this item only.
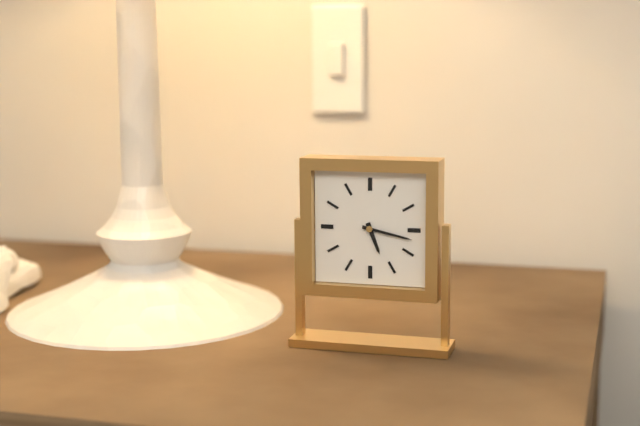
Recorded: 5h17
